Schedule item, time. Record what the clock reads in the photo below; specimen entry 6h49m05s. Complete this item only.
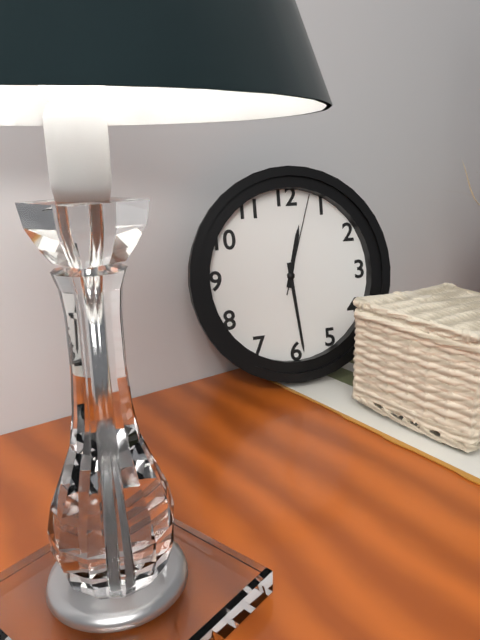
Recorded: 12h29m03s
